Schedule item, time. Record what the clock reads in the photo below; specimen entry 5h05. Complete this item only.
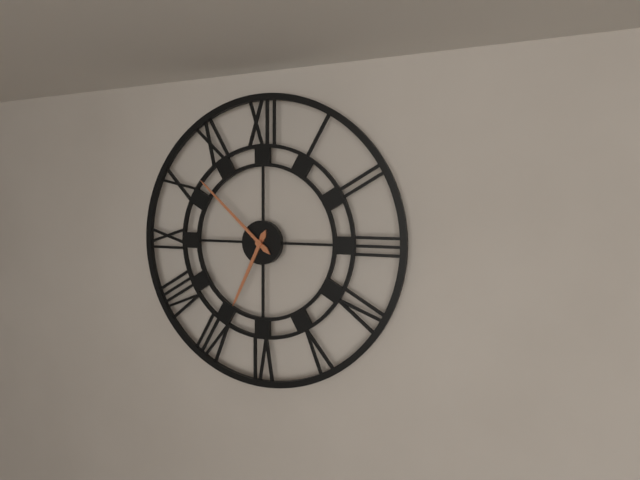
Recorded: 6h52
